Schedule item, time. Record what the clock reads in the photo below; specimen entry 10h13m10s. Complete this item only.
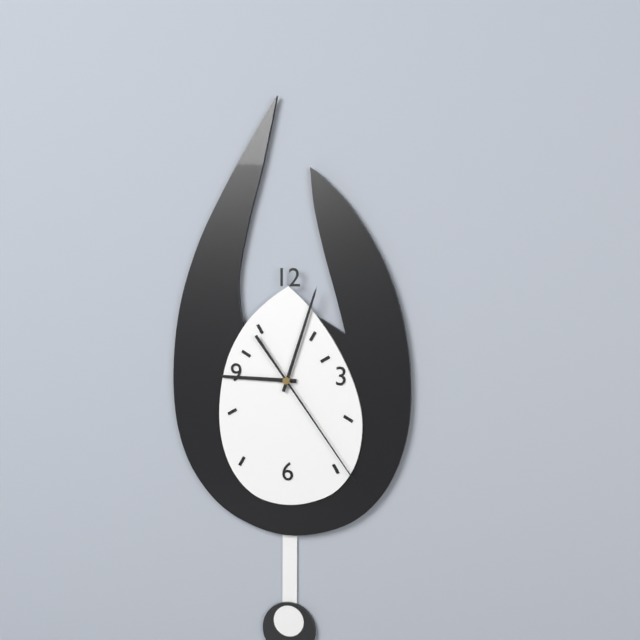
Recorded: 9h03m24s
